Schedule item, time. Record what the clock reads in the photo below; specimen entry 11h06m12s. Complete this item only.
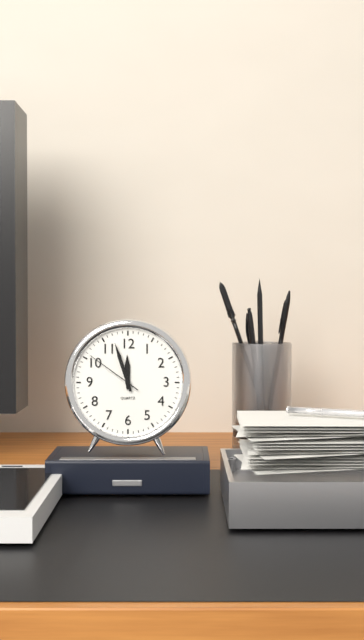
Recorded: 11h57m51s
